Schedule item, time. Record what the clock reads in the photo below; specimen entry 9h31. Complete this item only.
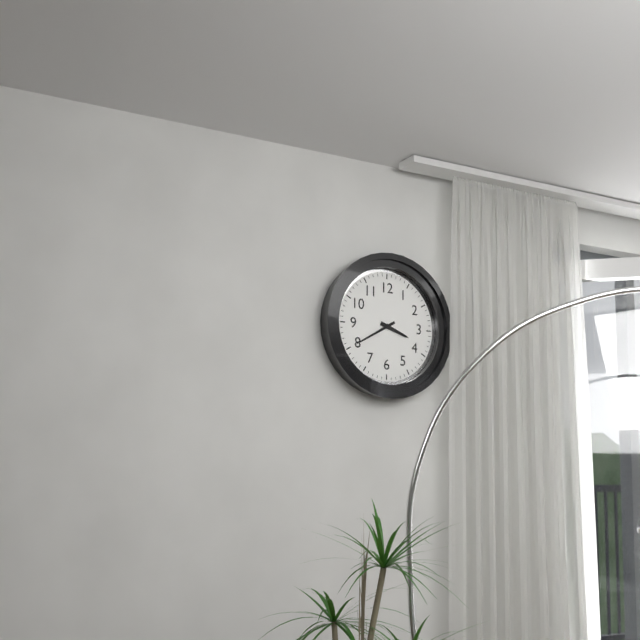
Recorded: 3h40
